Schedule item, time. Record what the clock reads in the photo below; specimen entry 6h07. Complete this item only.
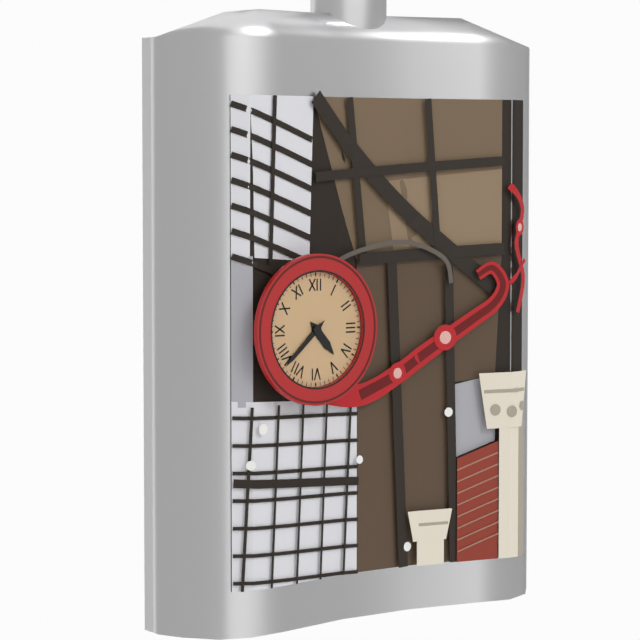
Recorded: 4h38
